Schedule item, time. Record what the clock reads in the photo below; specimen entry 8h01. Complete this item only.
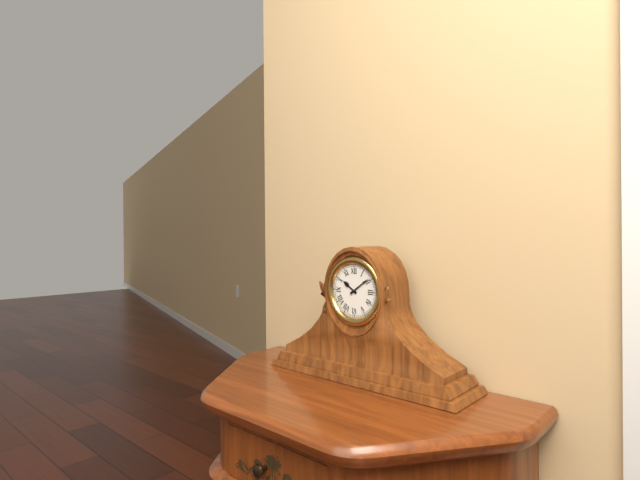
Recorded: 10h09
